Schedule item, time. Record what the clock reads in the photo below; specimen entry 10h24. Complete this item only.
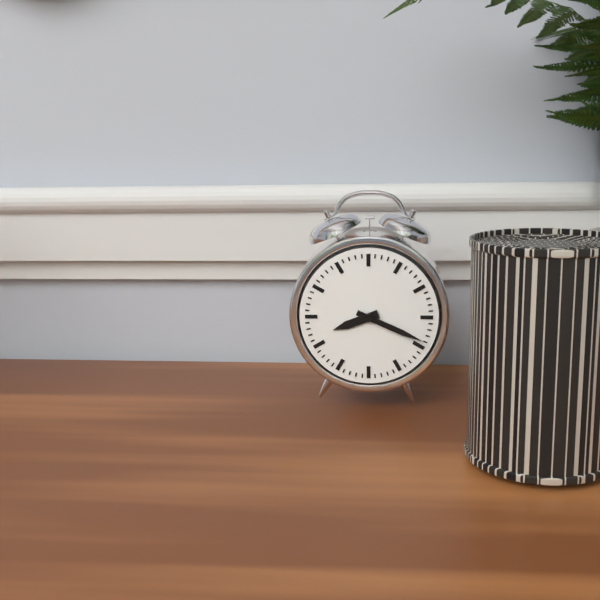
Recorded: 8h19
